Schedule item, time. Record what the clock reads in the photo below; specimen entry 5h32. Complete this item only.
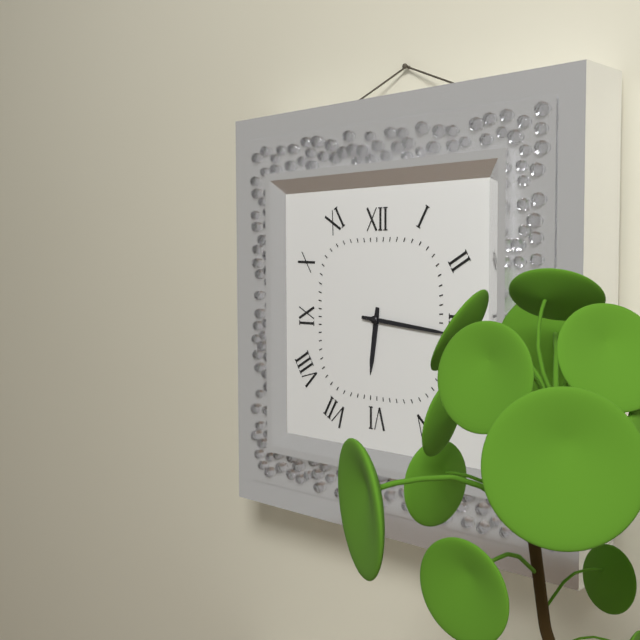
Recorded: 6h16
